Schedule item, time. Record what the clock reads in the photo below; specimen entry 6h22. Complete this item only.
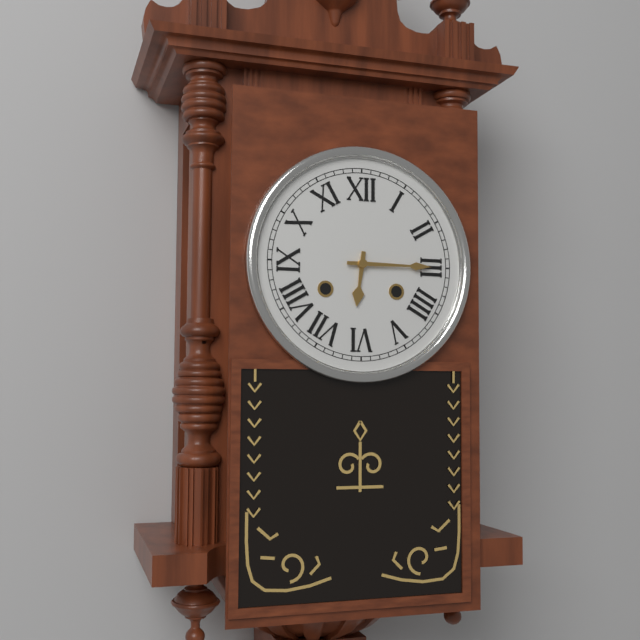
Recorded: 6h15
